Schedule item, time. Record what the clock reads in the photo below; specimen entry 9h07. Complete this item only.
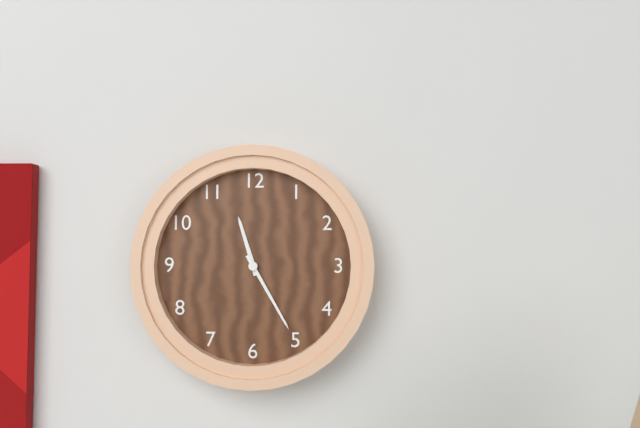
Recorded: 11h25
